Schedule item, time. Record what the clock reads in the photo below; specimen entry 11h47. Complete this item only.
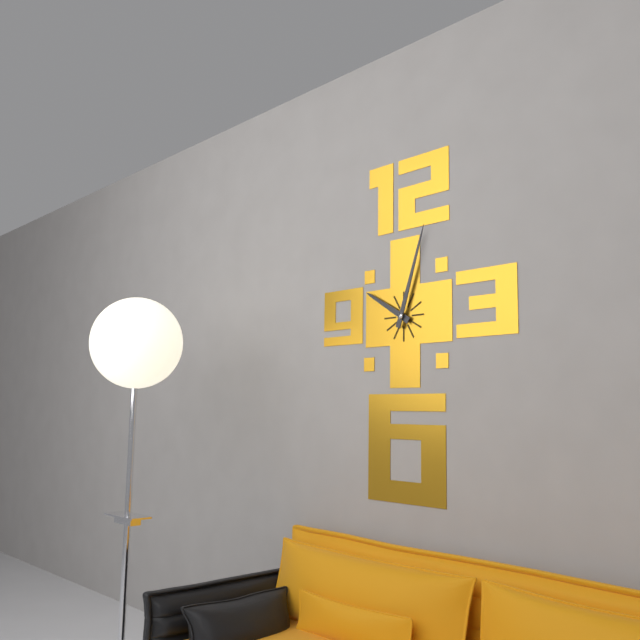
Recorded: 10h03
